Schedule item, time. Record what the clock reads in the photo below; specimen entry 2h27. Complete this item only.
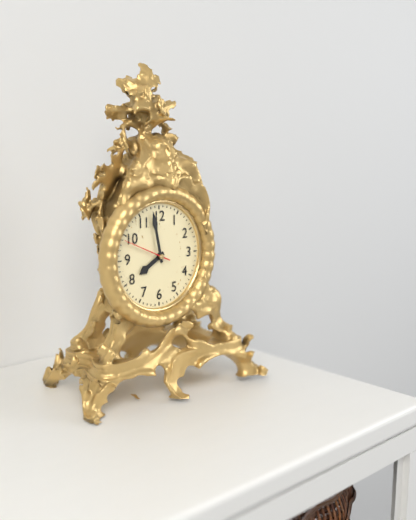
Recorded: 7h58
